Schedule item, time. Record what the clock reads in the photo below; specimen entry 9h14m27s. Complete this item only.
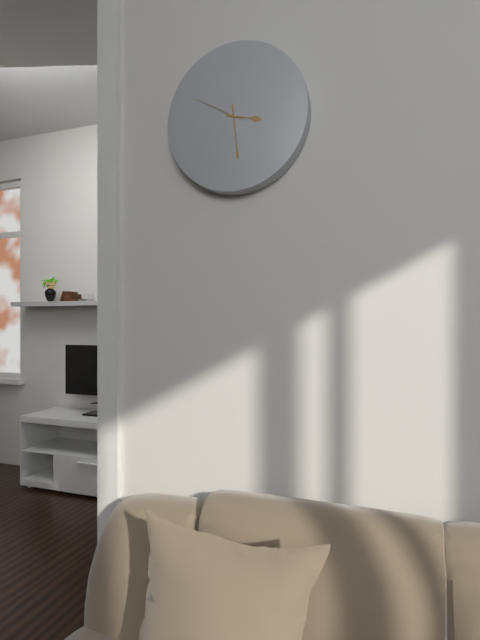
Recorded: 3h29m50s
